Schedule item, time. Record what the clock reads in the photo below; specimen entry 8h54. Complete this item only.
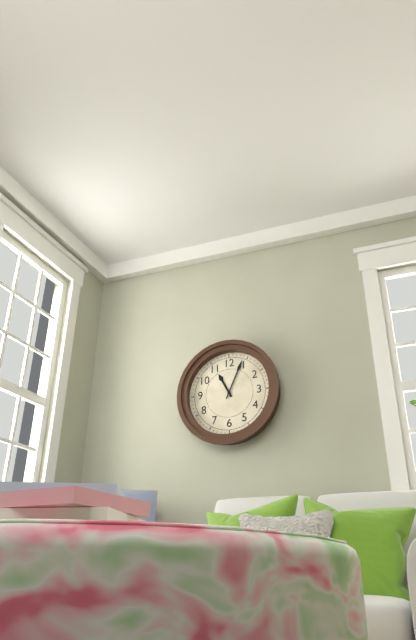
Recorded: 11h04
